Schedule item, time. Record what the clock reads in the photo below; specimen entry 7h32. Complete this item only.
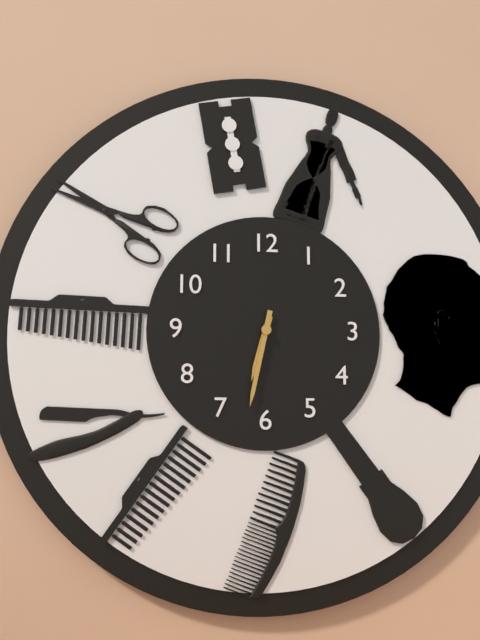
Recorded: 6h32
